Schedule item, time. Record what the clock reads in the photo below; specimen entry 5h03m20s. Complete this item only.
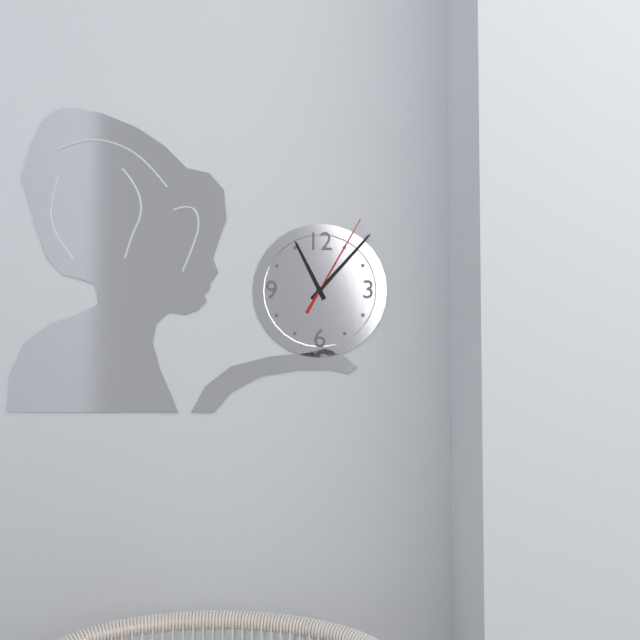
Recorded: 11h07m05s
